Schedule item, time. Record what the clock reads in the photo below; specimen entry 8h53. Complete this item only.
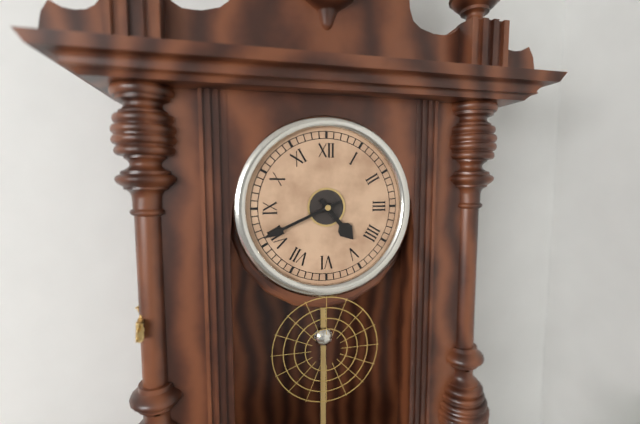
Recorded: 4h41
